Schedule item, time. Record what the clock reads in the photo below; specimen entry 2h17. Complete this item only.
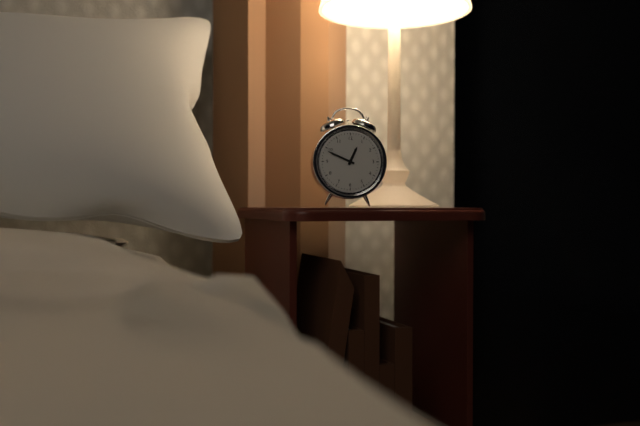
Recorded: 12h49
